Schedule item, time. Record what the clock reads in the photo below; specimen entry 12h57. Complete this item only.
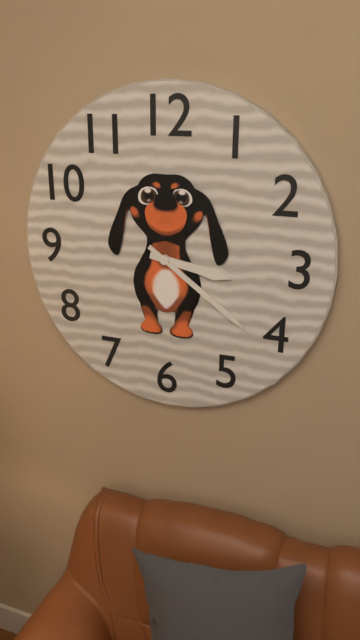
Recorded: 3h21
